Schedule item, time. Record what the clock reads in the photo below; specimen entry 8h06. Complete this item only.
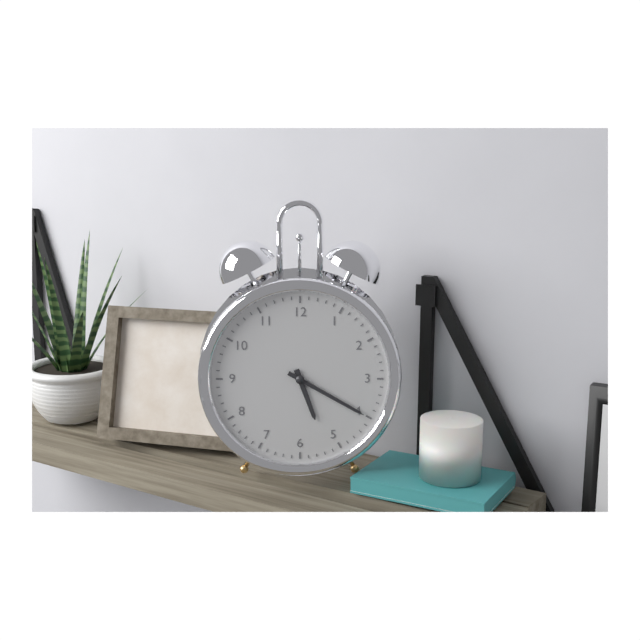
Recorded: 5h20
